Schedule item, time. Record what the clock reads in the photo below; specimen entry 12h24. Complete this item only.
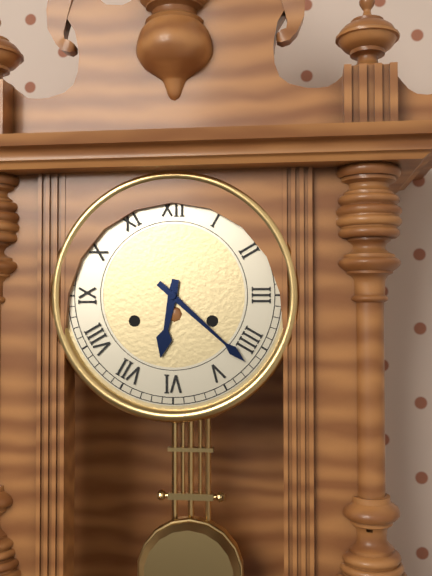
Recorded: 6h22
